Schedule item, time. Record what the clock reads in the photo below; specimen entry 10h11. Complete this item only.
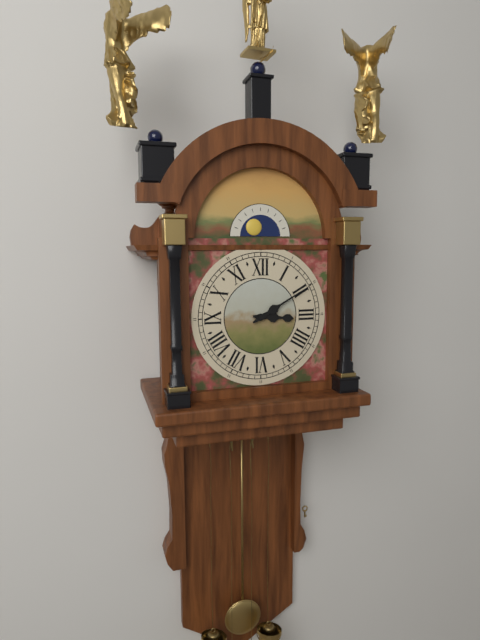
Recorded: 3h10
